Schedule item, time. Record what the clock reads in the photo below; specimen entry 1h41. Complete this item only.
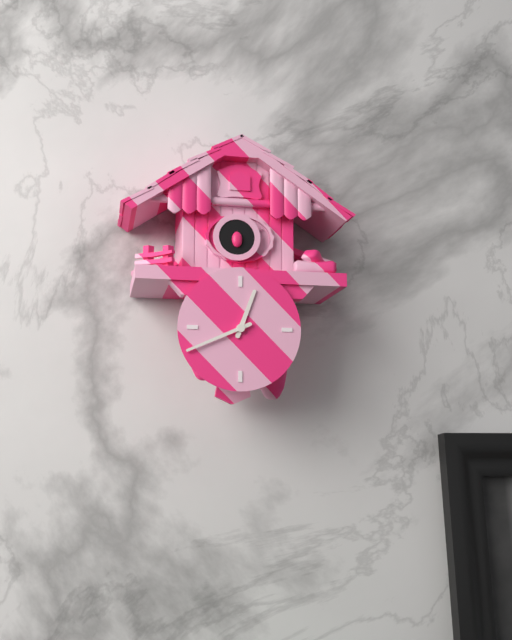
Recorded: 12h41
